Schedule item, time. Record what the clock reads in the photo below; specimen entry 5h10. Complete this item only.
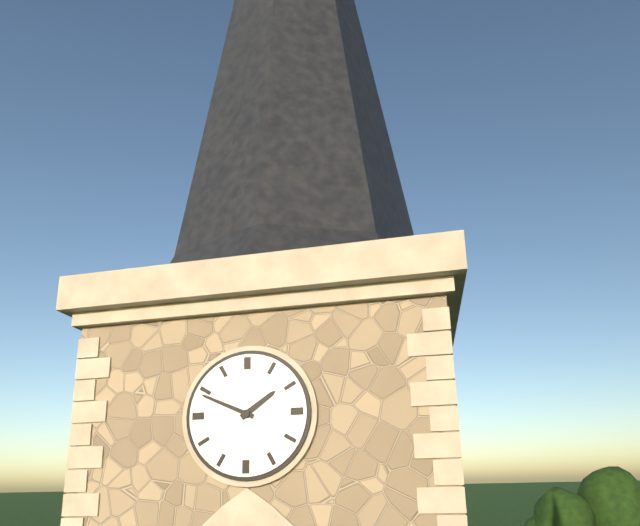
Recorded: 1h49
